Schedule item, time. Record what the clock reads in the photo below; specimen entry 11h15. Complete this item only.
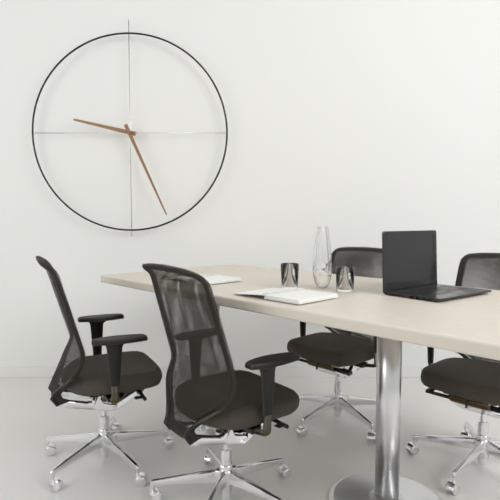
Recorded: 9h26
